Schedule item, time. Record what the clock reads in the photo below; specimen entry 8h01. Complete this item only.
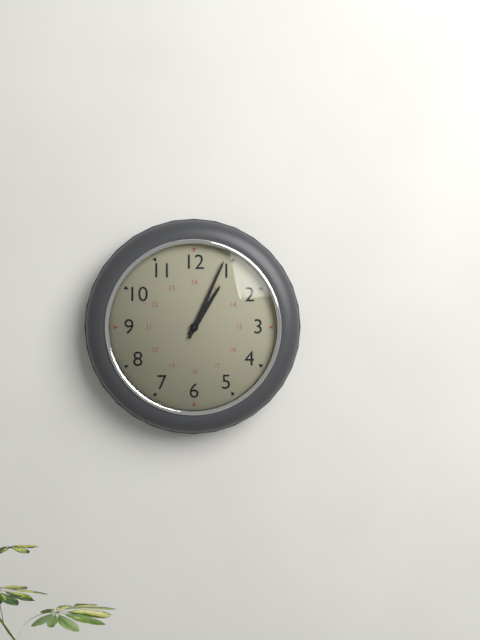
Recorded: 1h04
